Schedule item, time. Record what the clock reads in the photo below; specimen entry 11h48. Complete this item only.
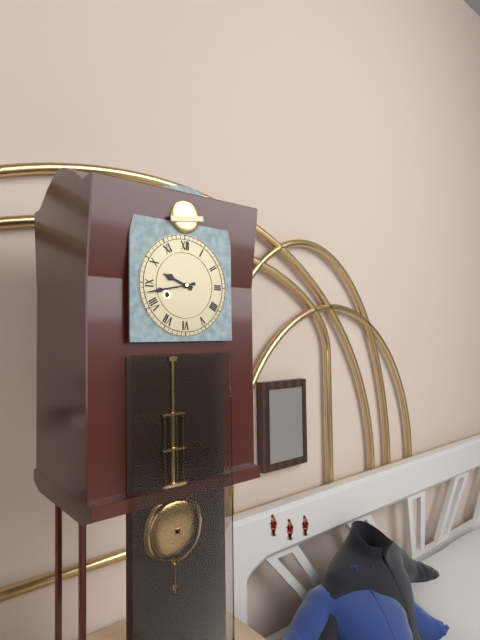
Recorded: 9h43
